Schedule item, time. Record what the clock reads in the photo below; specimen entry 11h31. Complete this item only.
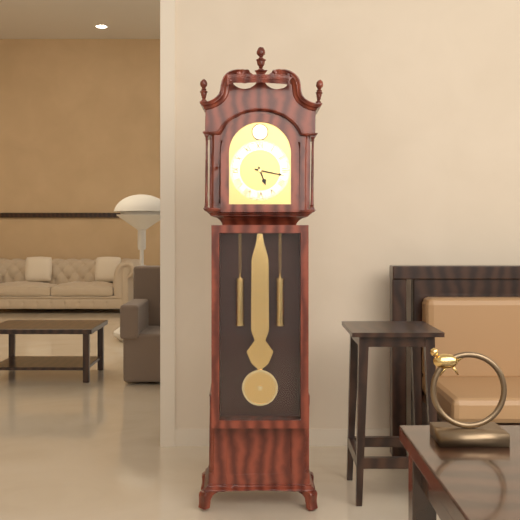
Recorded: 5h17
